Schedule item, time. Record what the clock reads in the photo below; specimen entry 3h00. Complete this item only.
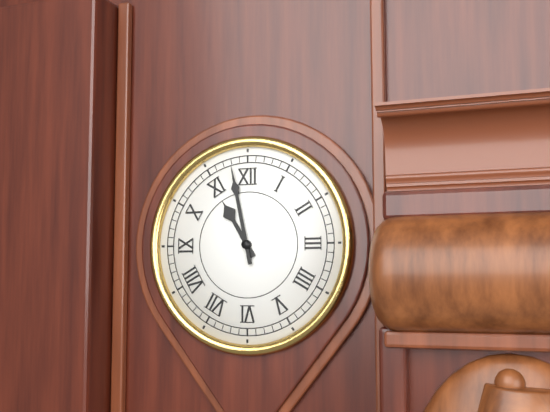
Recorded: 10h58
